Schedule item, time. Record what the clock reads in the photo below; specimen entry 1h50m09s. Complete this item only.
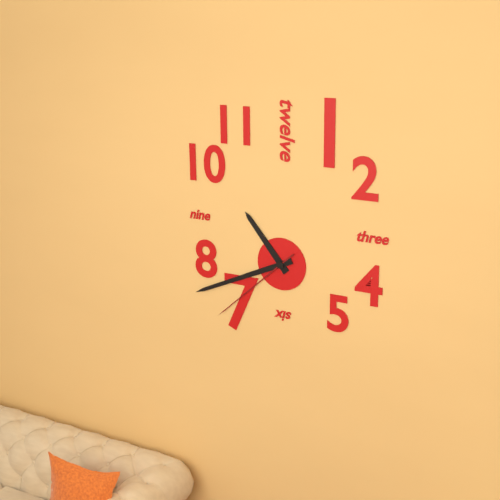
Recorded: 10h41m38s
